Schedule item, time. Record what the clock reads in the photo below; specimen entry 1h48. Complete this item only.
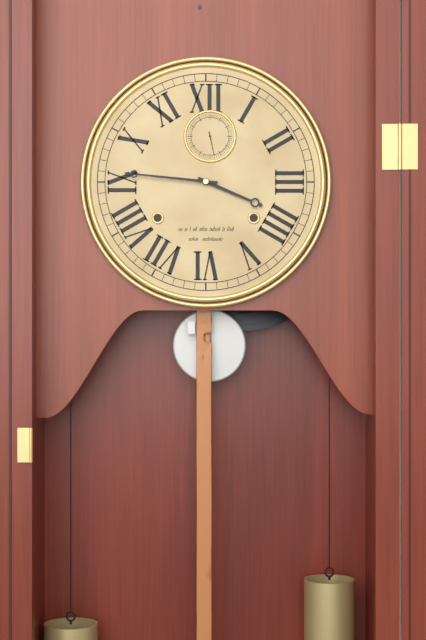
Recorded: 3h46
